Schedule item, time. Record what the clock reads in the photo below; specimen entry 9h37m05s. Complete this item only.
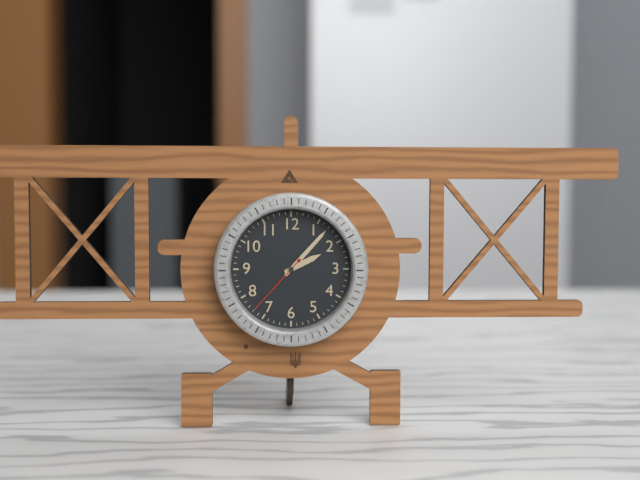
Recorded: 2h07m37s
